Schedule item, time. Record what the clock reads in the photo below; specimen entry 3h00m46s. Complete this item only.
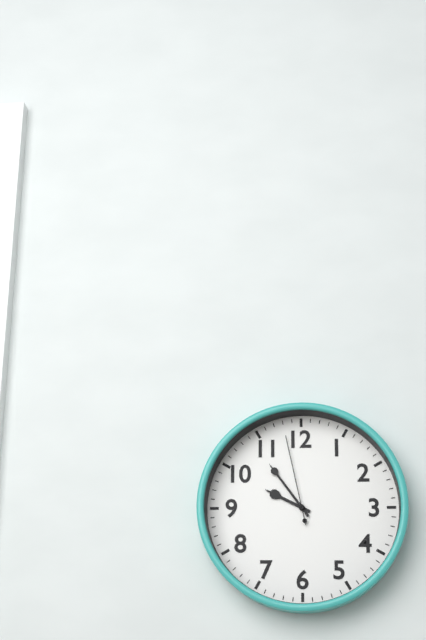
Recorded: 9h54m58s
